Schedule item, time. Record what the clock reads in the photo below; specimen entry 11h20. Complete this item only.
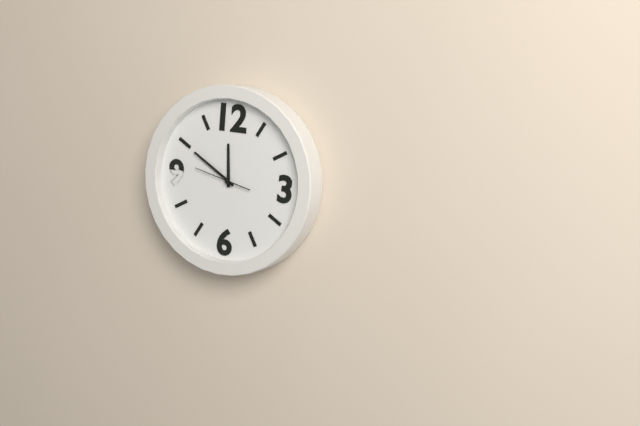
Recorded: 11h50
